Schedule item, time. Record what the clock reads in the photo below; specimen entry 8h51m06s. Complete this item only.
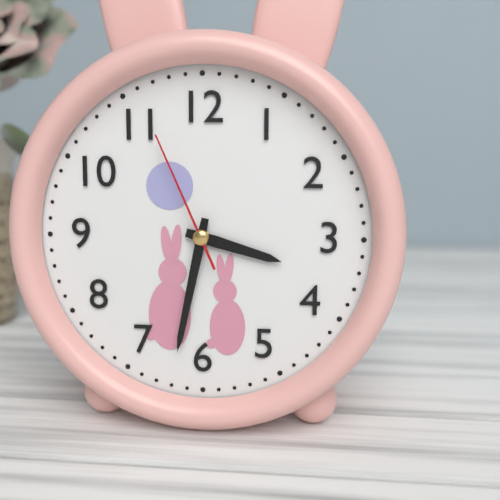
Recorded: 3h32m56s
